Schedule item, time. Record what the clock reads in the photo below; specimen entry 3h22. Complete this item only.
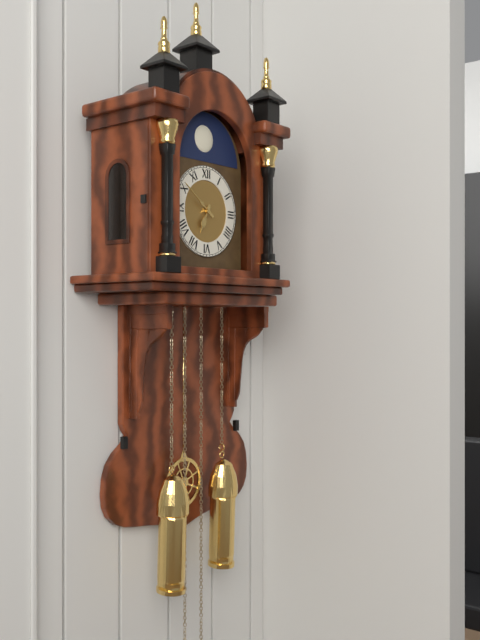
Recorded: 6h51
